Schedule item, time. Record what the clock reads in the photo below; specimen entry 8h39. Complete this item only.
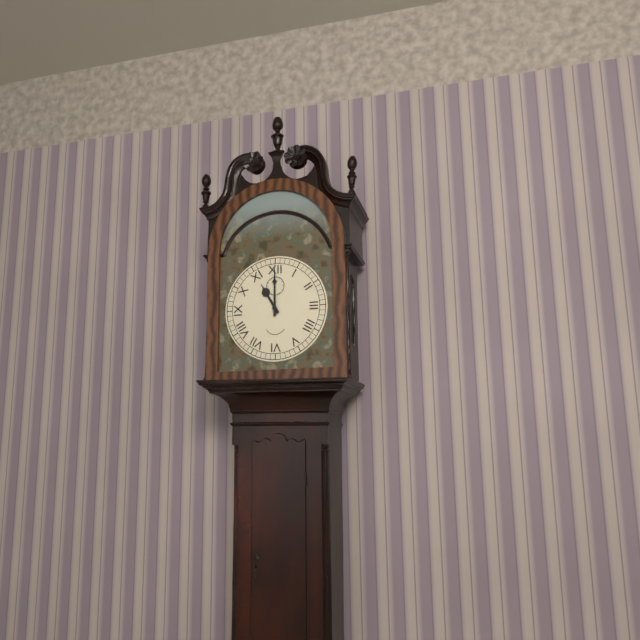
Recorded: 11h00
